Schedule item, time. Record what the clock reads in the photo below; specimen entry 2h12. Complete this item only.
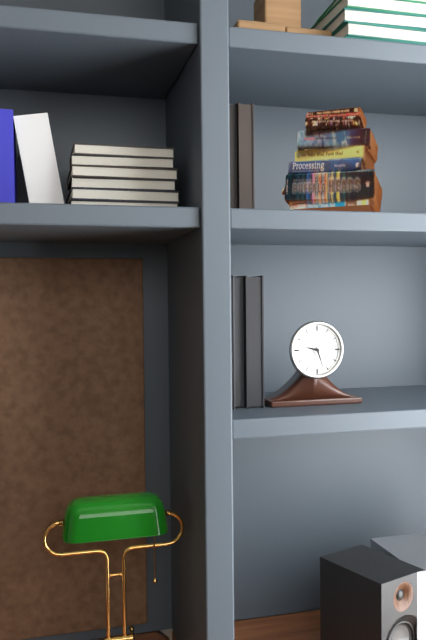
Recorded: 9h27
